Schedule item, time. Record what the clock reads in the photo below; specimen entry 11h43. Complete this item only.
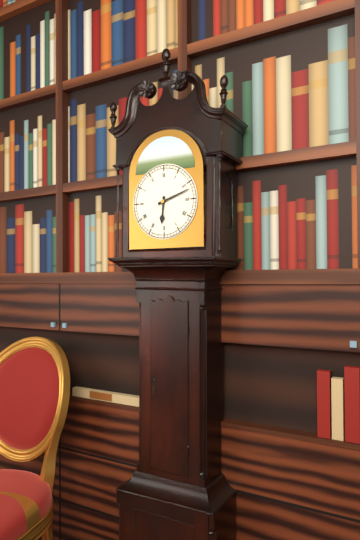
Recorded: 6h12
